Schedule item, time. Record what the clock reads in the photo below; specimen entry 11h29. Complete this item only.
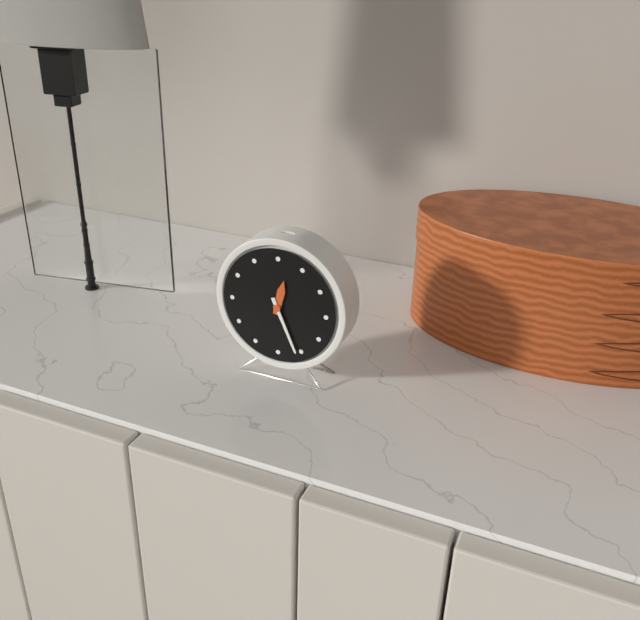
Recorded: 12h26
